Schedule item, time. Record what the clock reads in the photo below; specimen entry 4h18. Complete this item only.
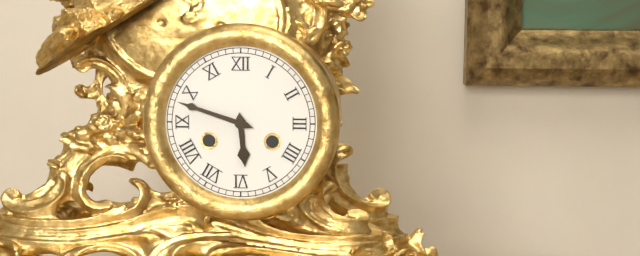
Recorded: 5h48
